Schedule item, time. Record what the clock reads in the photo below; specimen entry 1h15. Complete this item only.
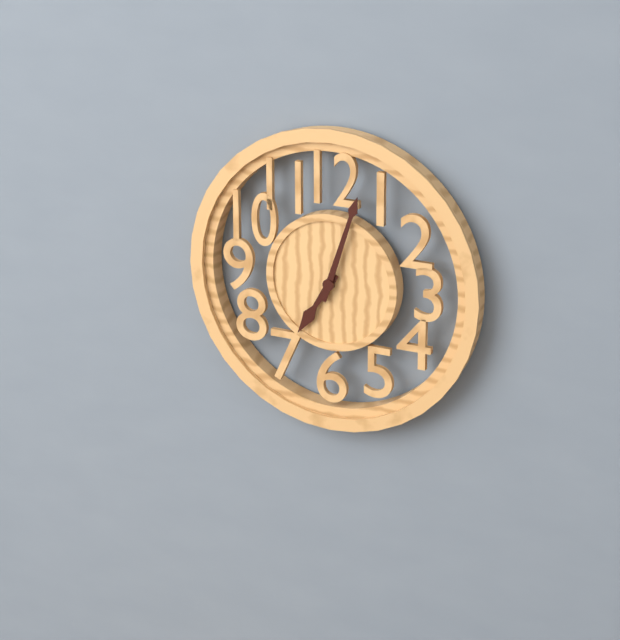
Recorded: 7h03
